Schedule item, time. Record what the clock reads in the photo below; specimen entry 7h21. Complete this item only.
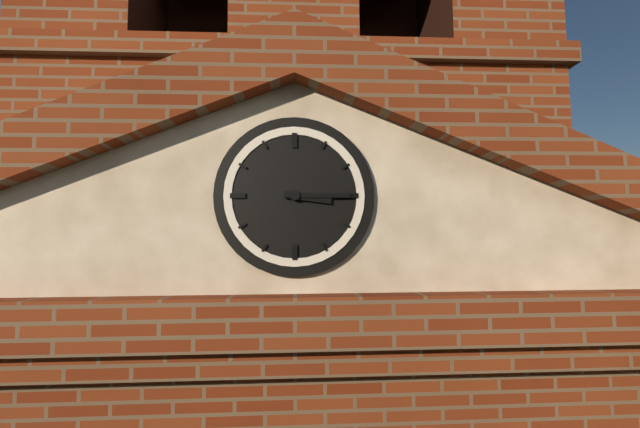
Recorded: 3h15
